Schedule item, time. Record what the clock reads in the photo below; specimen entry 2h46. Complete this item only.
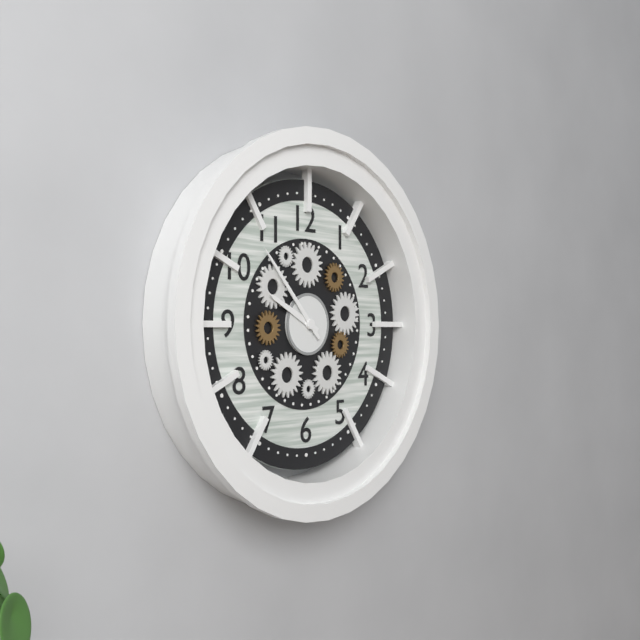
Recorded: 9h53
